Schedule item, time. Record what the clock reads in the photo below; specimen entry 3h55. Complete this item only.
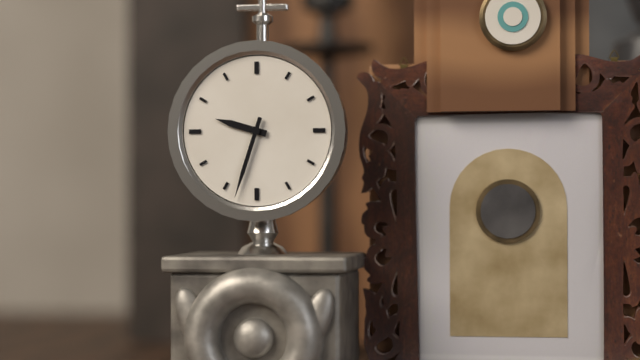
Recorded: 9h33
